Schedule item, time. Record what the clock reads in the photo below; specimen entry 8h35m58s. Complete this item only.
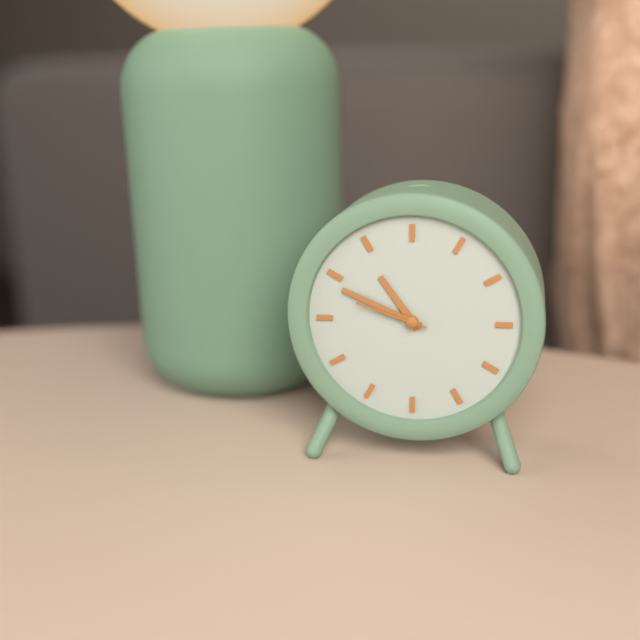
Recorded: 10h49m48s
